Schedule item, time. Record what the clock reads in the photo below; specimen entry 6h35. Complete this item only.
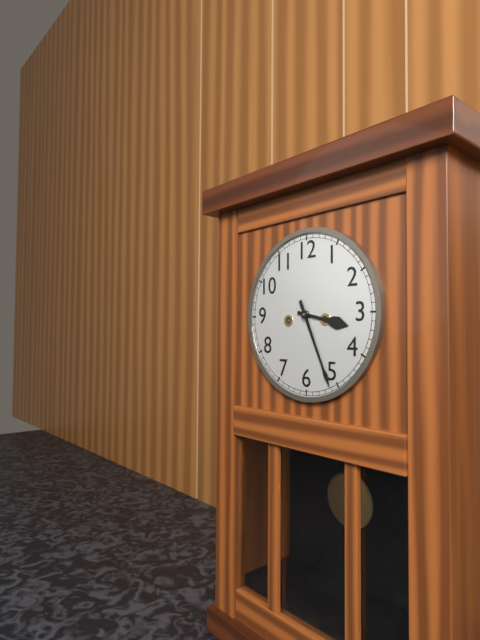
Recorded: 3h26
